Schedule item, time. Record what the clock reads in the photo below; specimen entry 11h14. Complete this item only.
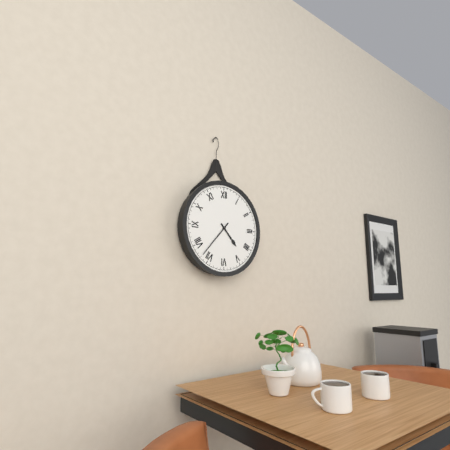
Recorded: 4h37
